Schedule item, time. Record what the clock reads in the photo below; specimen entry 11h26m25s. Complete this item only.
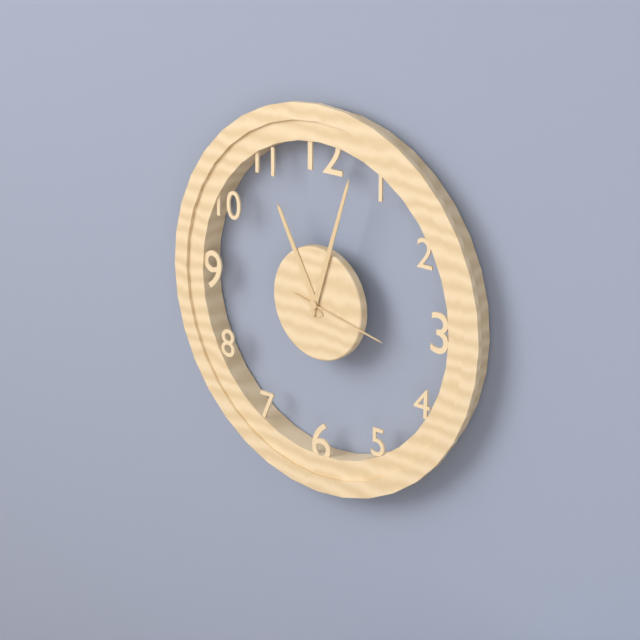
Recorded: 11h03m17s
